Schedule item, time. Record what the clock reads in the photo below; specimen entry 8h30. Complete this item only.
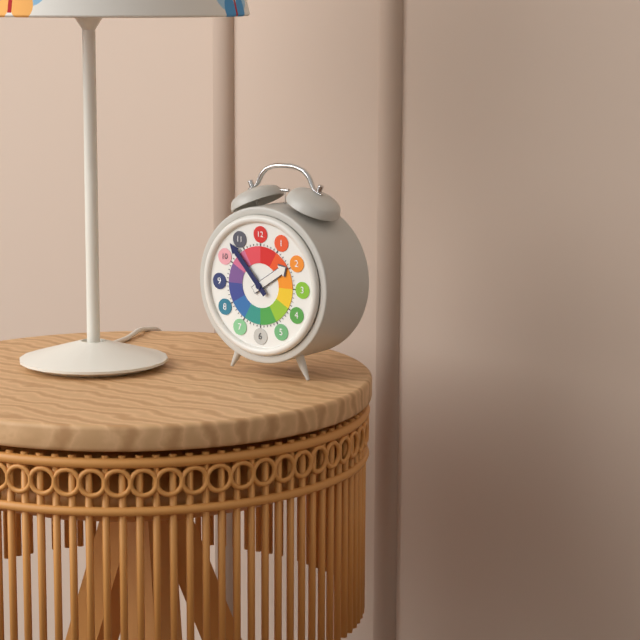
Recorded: 1h53
